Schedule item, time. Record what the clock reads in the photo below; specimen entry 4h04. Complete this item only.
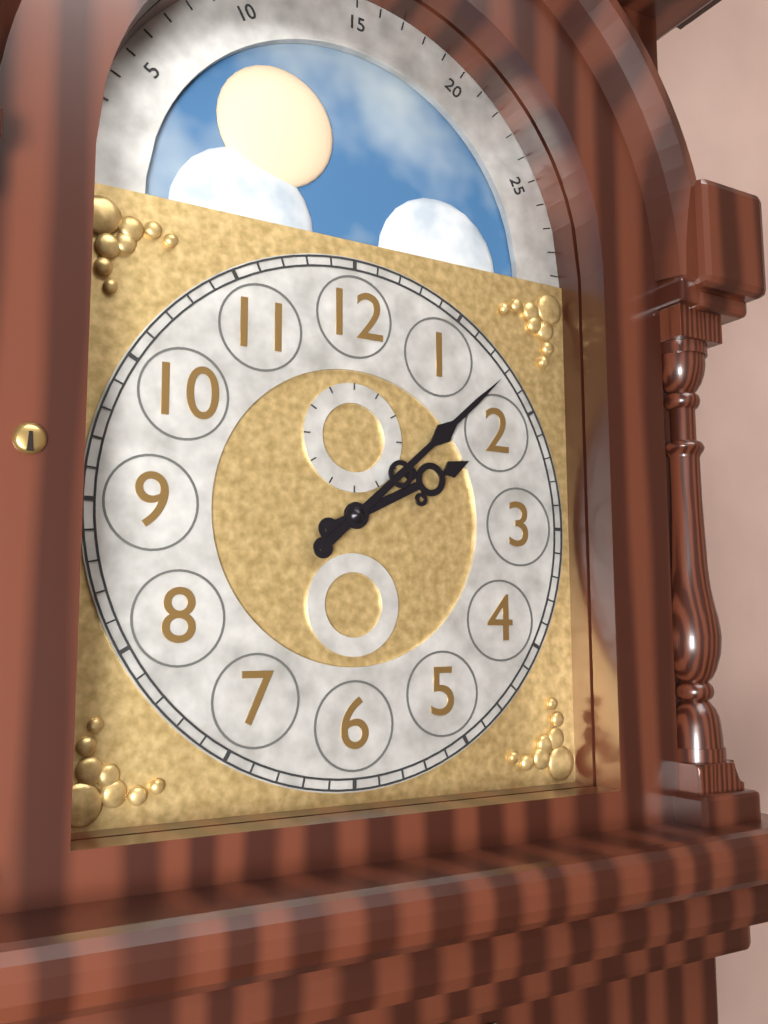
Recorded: 2h08
